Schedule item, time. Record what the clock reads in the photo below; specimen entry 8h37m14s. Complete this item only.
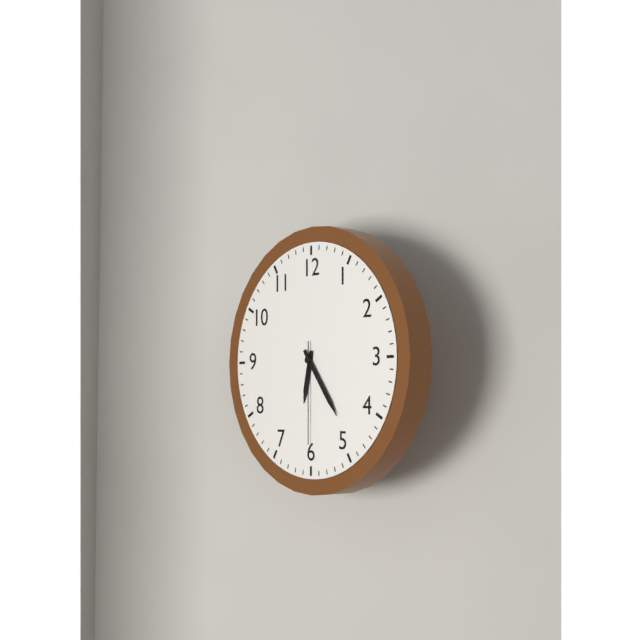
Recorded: 6h24m30s
